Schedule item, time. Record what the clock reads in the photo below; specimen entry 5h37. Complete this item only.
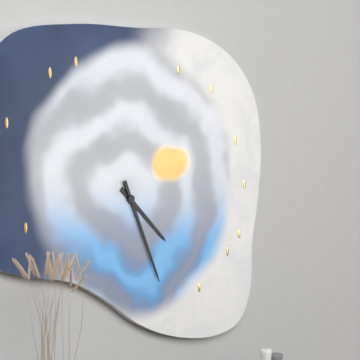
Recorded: 4h26
